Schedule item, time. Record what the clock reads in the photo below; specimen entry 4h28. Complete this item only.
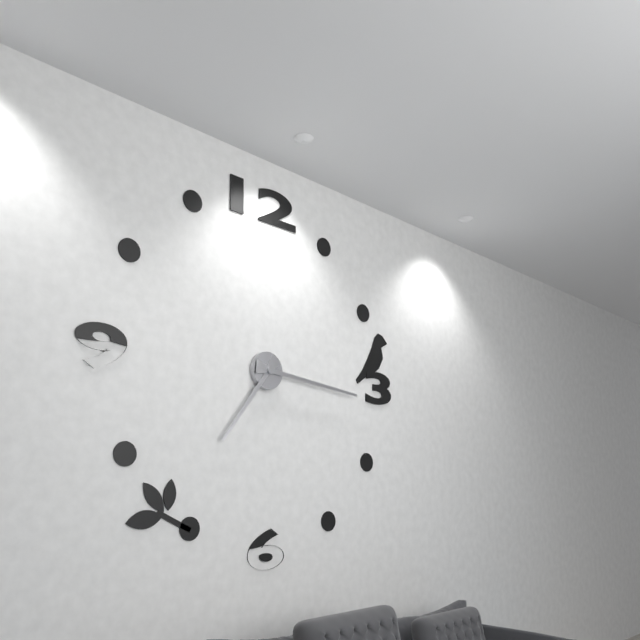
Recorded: 7h16
